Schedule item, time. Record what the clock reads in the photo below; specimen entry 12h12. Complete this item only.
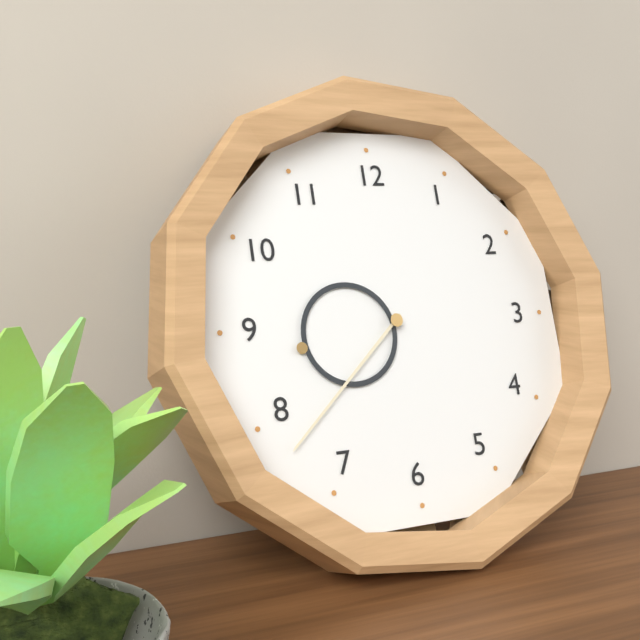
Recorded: 8h38
